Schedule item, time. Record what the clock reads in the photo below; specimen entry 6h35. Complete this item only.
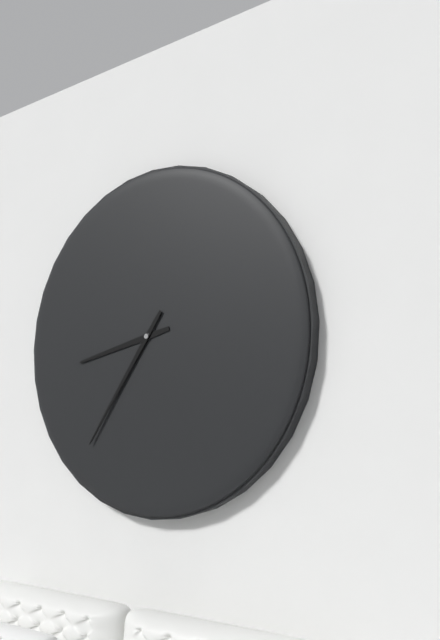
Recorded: 8h36
